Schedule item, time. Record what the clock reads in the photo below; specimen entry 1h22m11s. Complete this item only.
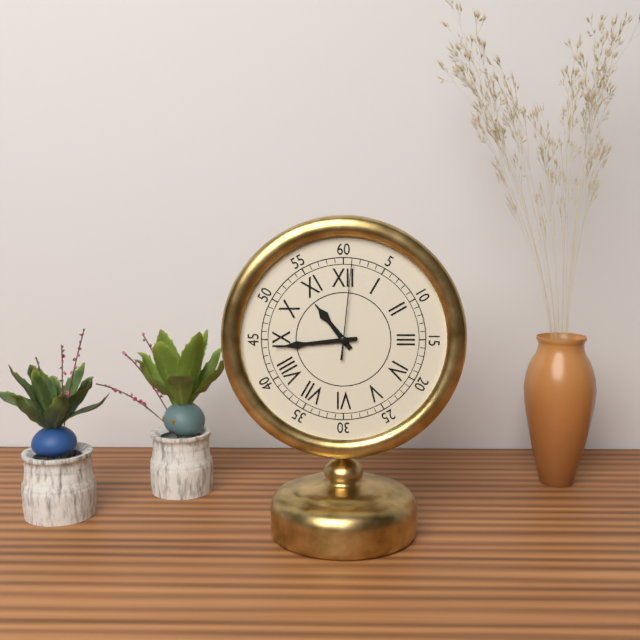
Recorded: 10h44m01s
